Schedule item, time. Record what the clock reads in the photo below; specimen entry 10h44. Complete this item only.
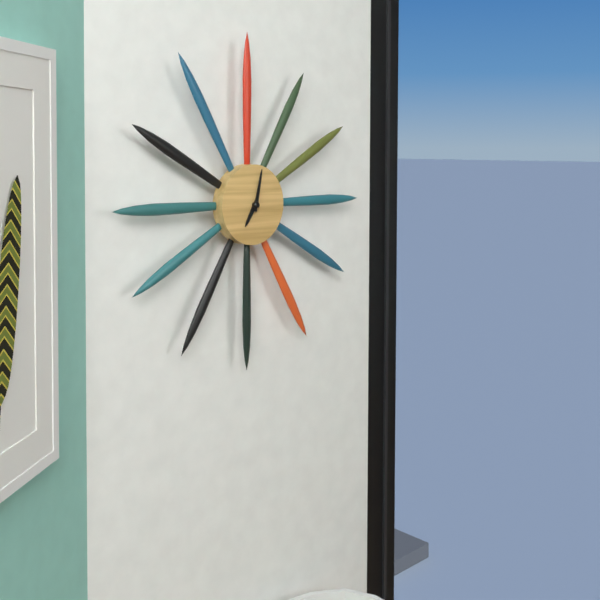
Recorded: 7h02
